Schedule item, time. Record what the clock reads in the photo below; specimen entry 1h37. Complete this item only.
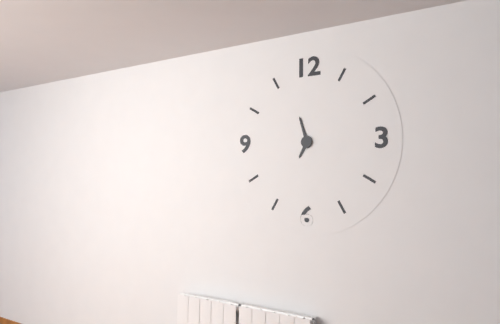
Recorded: 6h57
